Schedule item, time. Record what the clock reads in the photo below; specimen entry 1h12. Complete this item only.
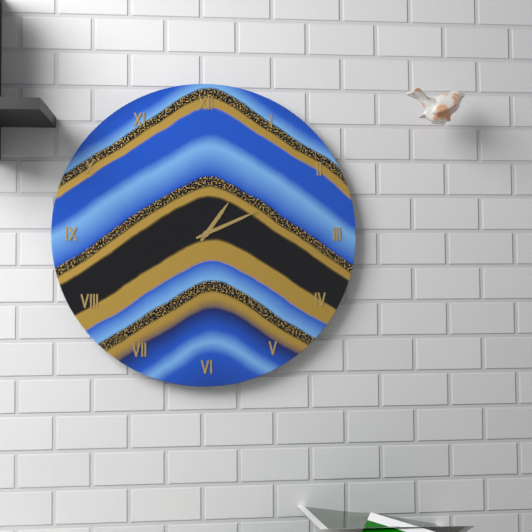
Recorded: 1h11
